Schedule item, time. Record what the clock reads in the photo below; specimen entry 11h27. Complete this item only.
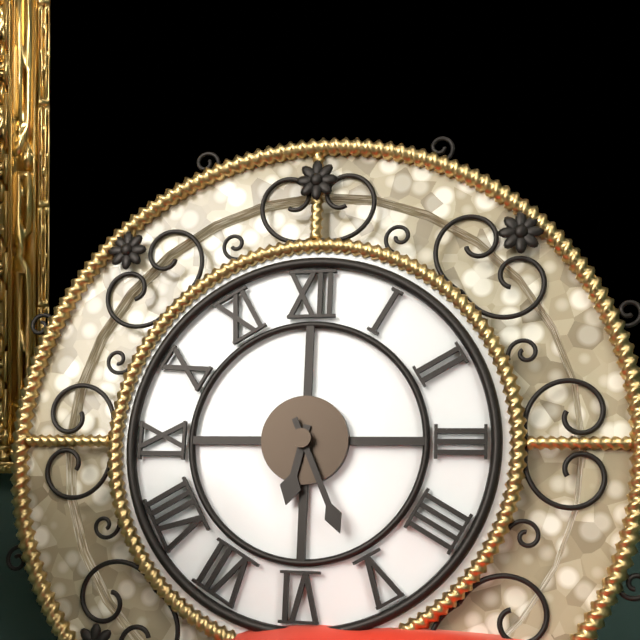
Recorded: 6h26
